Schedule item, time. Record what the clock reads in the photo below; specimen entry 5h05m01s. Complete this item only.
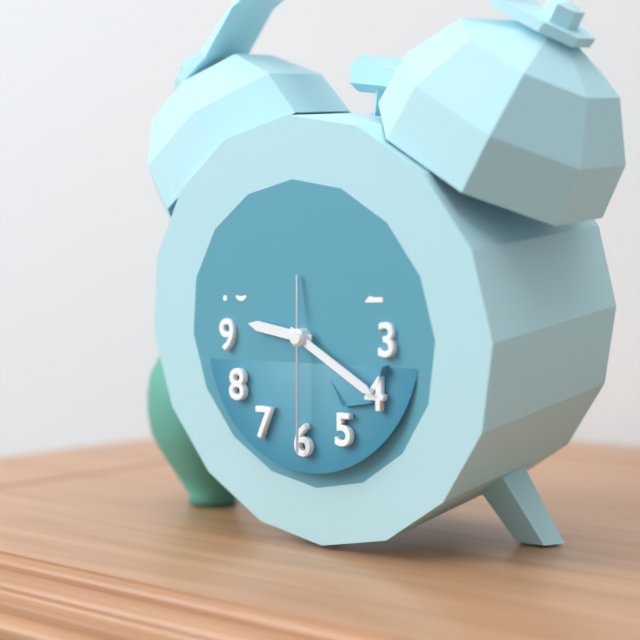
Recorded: 9h20m30s
